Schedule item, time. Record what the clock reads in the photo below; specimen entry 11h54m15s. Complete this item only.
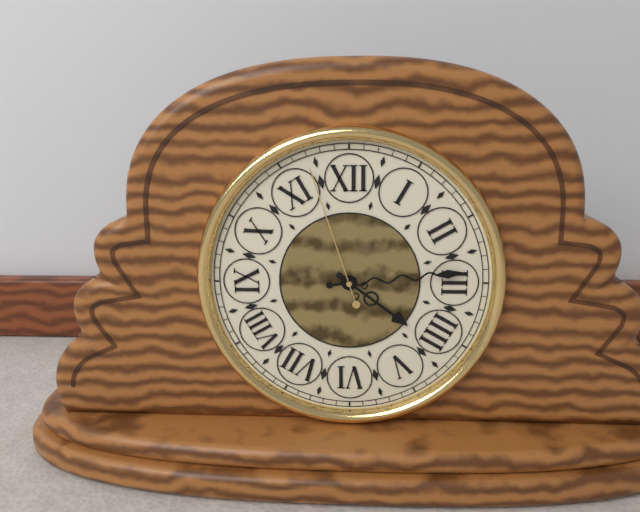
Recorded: 4h14m57s
